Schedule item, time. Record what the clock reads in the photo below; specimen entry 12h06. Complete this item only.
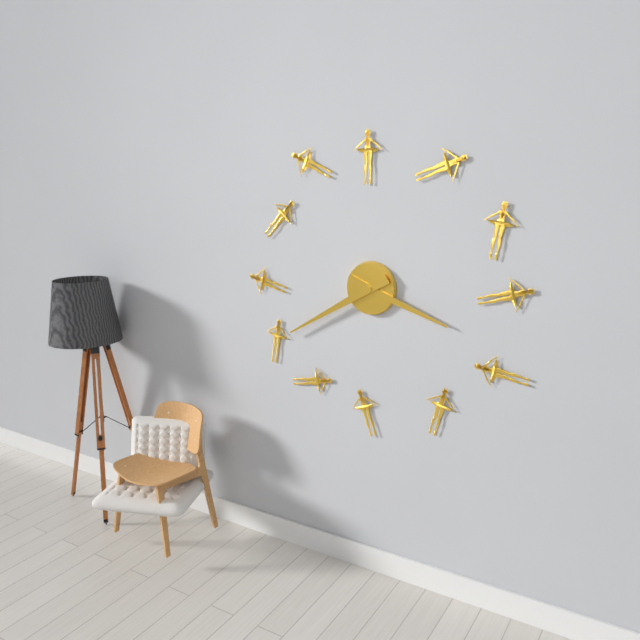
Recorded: 3h40
